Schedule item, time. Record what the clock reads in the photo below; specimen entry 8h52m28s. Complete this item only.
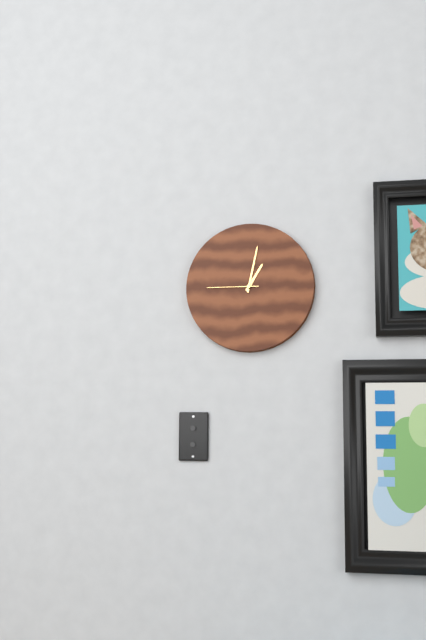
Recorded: 1h02m45s
